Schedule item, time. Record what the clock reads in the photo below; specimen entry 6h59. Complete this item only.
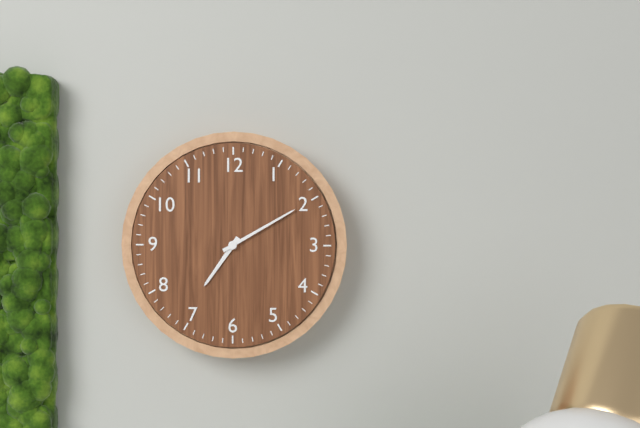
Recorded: 7h10
